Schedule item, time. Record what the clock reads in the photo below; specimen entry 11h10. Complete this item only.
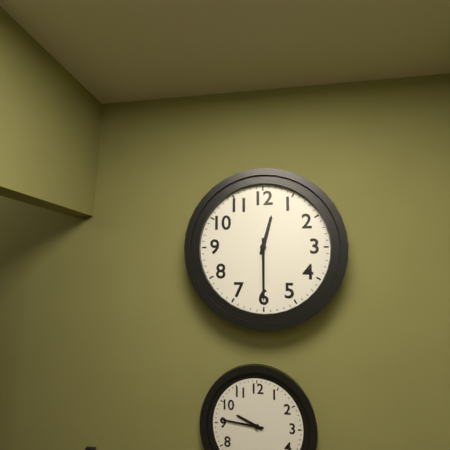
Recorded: 12h30
